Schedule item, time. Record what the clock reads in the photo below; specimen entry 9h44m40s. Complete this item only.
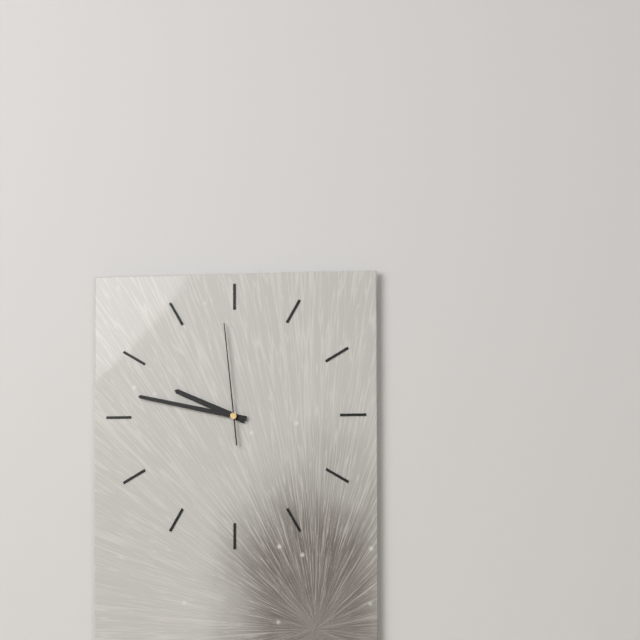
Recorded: 9h47m59s
